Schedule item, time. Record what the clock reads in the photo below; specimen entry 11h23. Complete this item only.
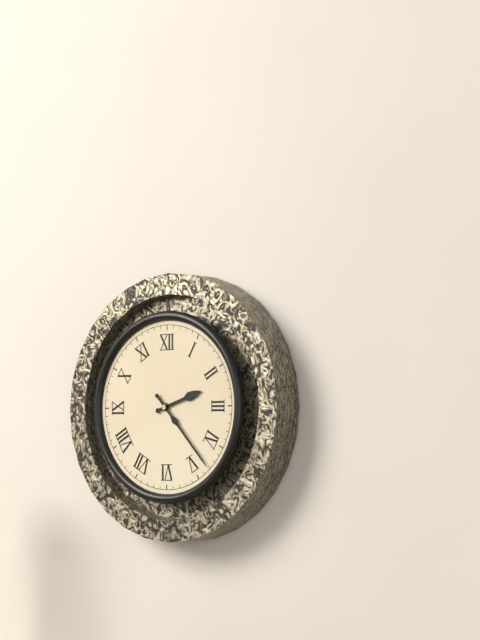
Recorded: 2h23
